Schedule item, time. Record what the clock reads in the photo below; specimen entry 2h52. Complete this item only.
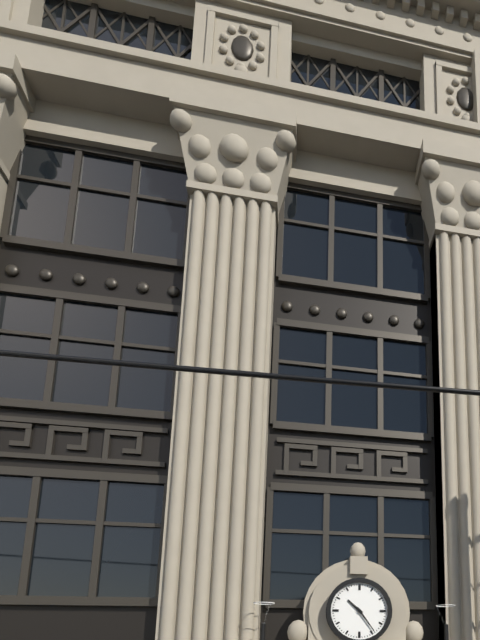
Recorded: 10h24
